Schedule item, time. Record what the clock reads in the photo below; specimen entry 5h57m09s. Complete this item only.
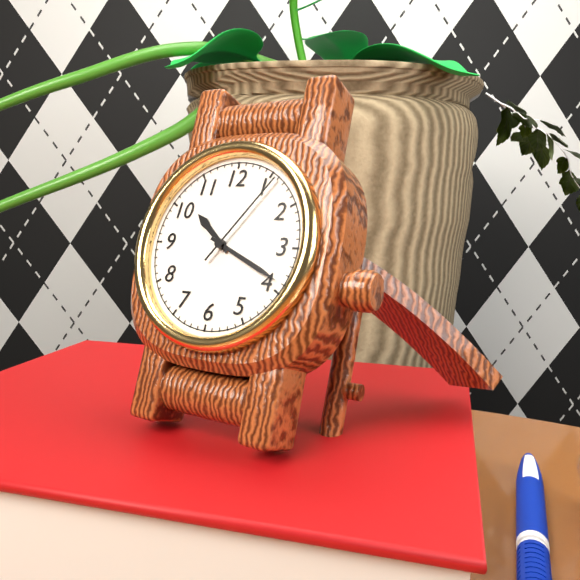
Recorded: 10h19m06s
